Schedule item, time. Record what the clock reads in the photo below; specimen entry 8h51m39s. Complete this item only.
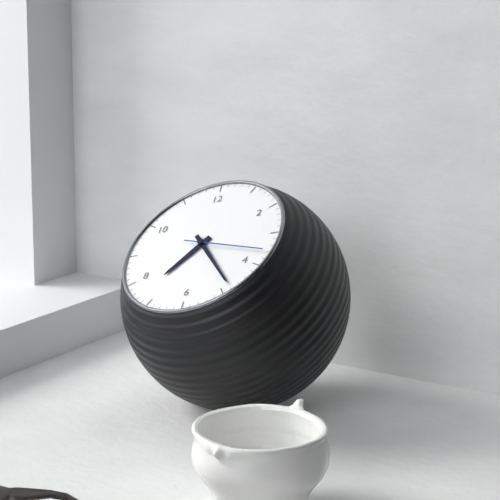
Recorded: 7h24m18s
